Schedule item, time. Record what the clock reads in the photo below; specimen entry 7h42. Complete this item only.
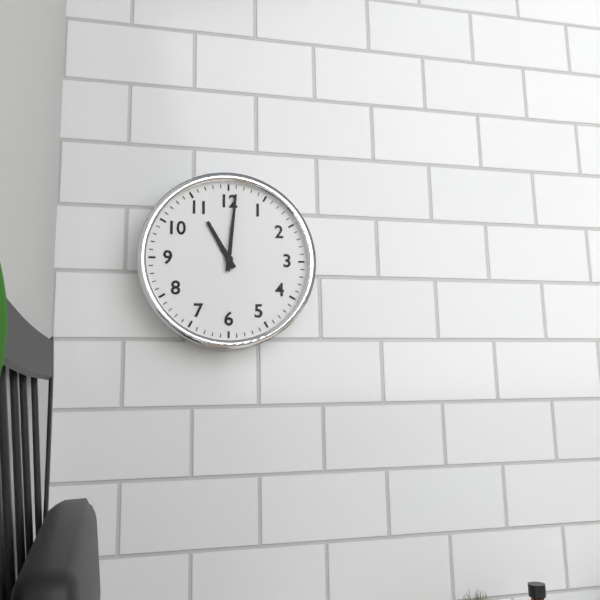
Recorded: 11h01
